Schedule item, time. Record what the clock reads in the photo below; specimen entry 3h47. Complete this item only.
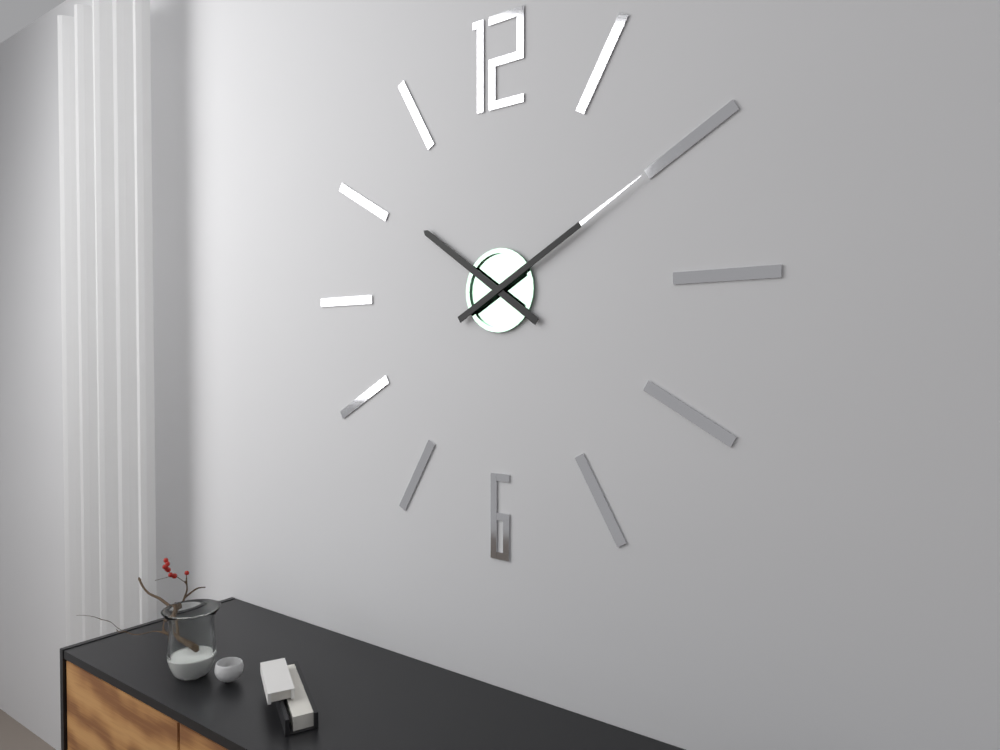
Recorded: 10h10
